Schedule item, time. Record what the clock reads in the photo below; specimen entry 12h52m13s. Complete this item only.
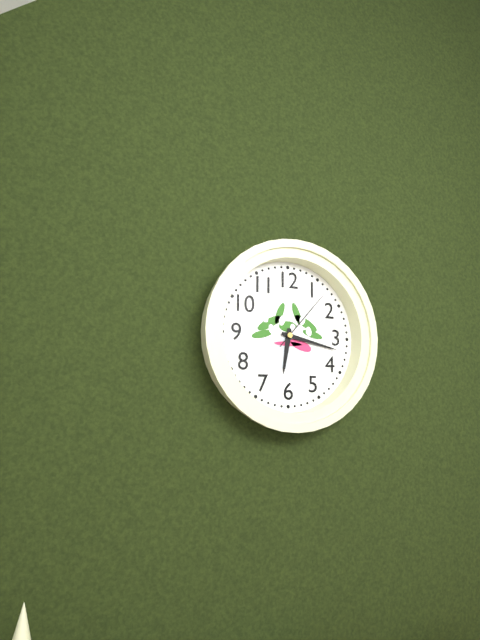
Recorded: 6h17m07s
